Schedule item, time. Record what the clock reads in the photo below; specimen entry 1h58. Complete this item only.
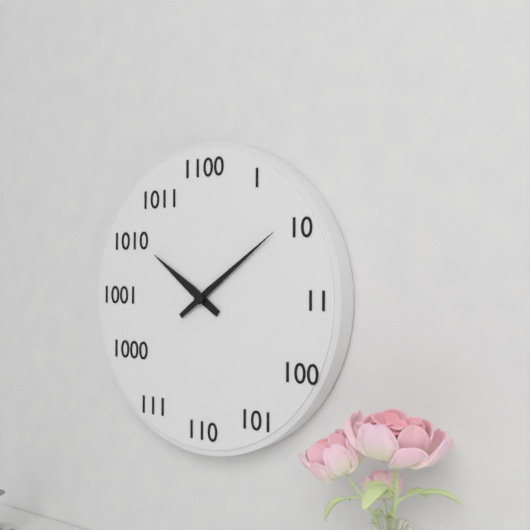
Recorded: 10h09
